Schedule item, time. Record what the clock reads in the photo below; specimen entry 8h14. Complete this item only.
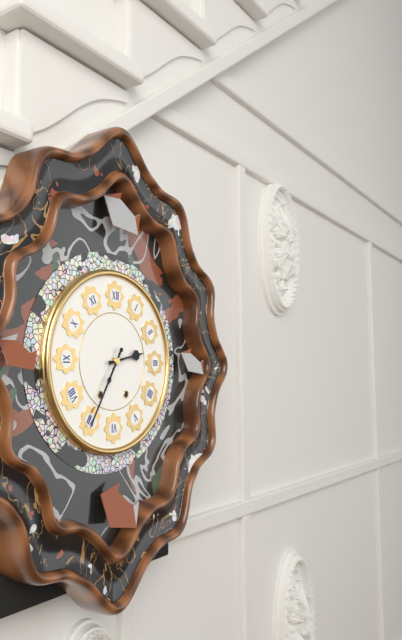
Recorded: 2h35
